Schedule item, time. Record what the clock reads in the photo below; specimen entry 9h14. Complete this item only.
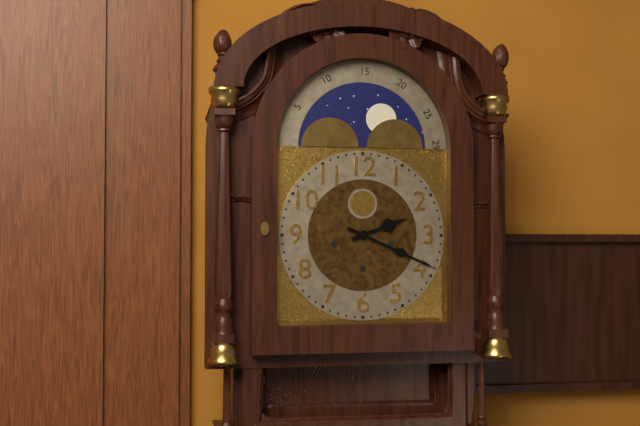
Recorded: 2h19
